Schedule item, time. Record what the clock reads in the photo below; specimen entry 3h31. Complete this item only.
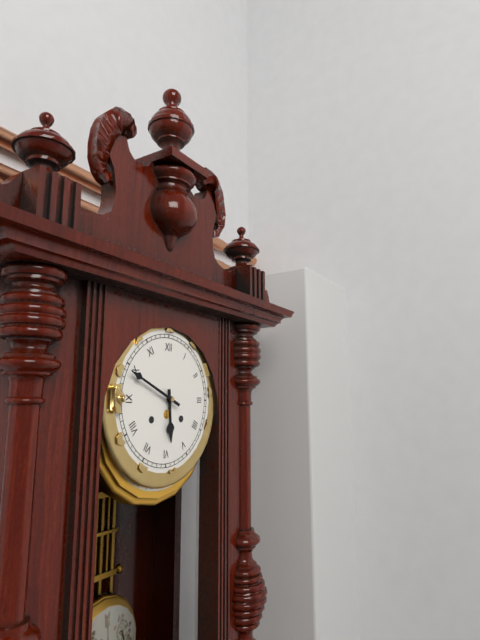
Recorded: 5h49
